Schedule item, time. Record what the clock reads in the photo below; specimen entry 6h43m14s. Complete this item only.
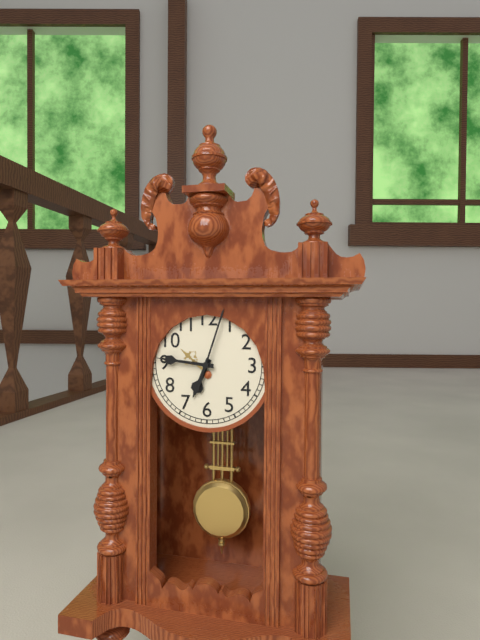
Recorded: 6h46m03s
